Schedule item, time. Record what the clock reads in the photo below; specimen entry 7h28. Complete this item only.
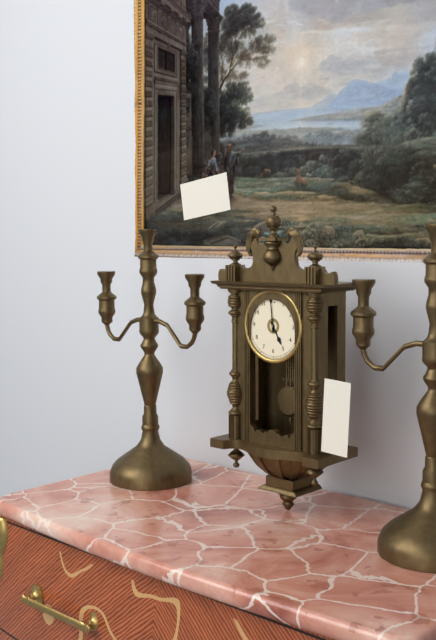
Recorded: 4h59
